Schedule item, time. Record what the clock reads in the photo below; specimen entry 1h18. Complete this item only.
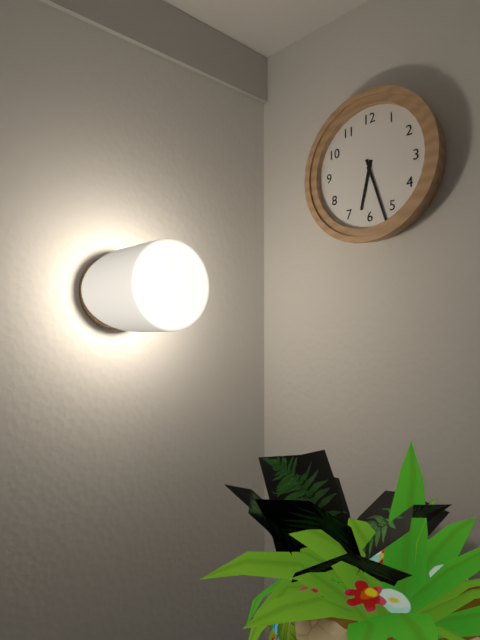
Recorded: 6h27
